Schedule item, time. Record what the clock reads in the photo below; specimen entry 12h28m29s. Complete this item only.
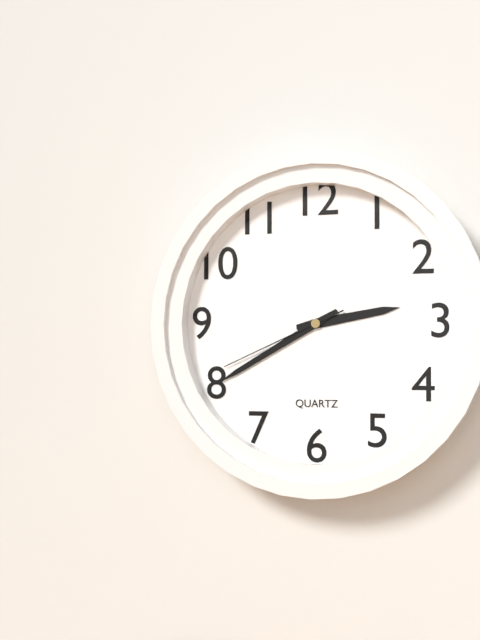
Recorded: 2h40m41s
